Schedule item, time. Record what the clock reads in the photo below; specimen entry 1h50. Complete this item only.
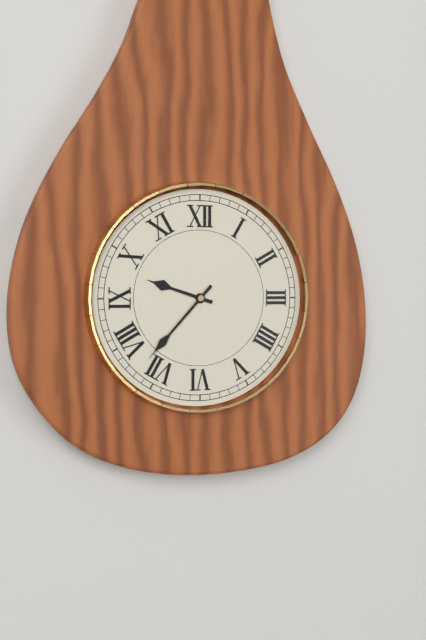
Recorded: 9h37
